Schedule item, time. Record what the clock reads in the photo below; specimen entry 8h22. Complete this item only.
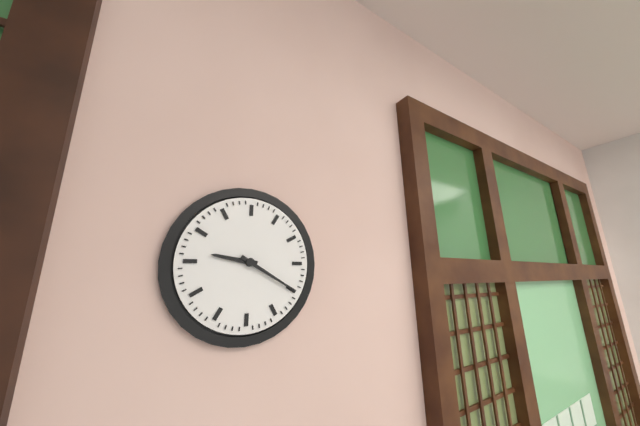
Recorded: 9h20
